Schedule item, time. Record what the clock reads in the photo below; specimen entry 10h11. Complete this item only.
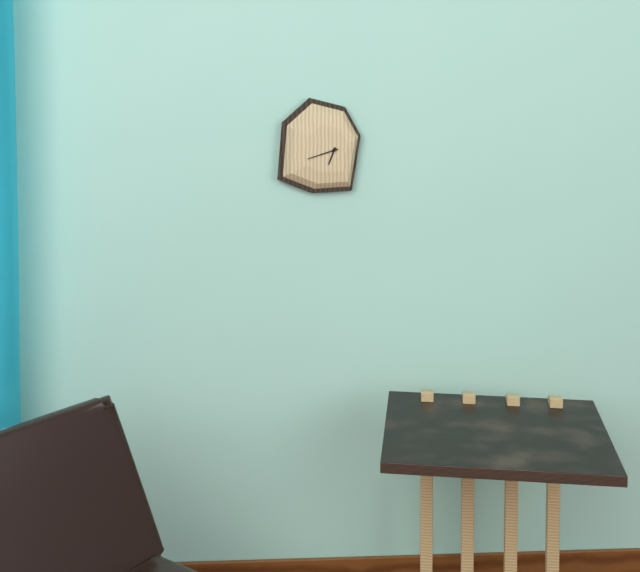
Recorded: 6h42
